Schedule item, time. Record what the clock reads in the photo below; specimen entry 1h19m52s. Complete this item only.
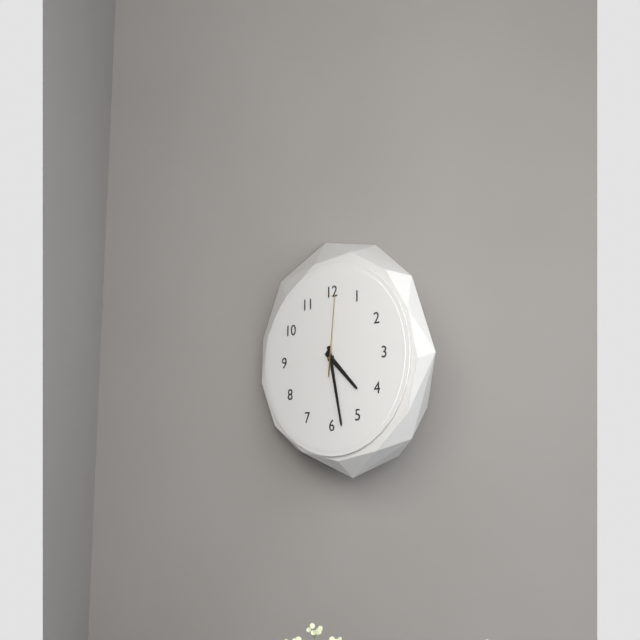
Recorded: 4h28m01s
